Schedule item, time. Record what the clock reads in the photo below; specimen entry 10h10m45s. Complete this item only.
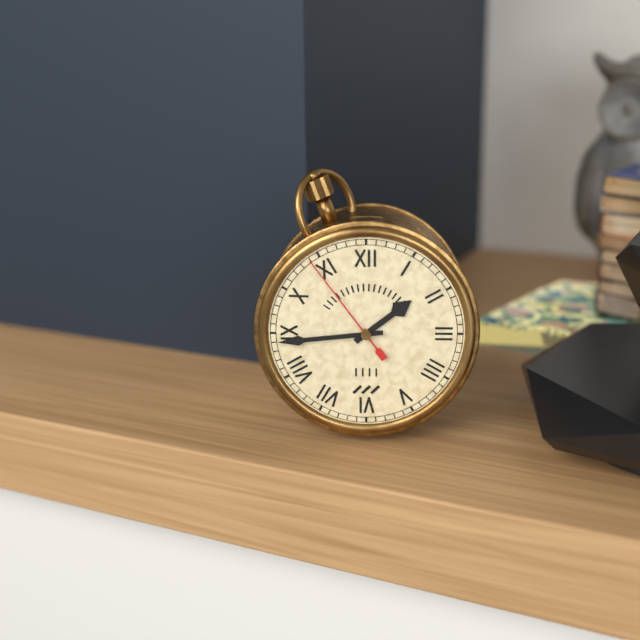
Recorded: 1h44m54s
